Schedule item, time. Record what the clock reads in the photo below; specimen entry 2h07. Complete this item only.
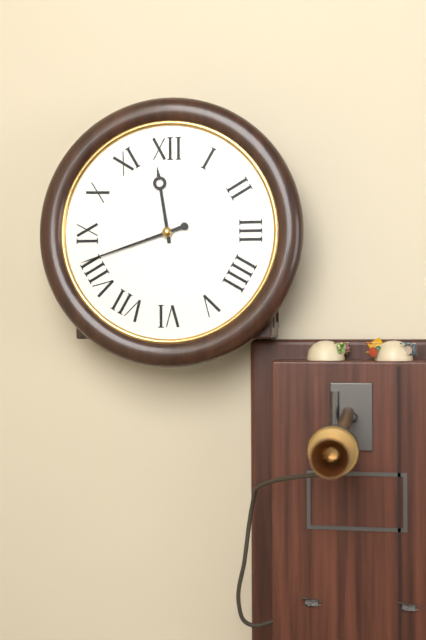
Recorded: 11h42
